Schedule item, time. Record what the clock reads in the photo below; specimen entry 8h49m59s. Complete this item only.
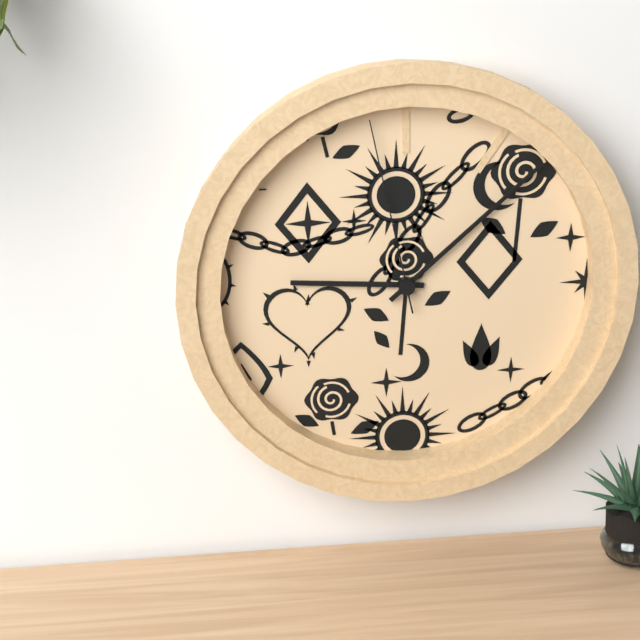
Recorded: 9h08m58s
